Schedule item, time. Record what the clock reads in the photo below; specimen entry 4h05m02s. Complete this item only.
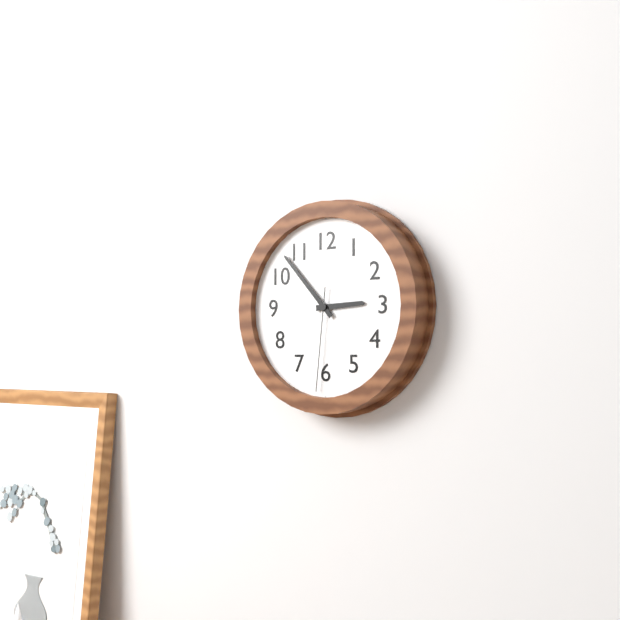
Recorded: 2h53m31s
